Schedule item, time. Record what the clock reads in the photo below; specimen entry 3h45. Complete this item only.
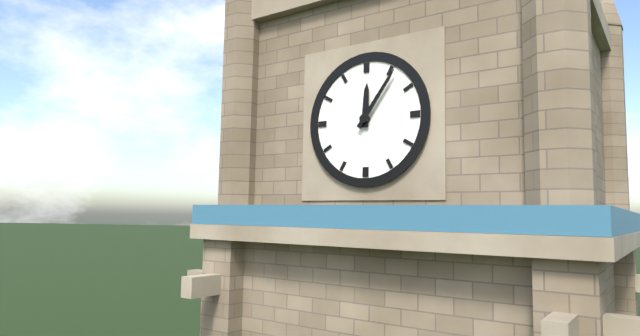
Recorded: 12h06
